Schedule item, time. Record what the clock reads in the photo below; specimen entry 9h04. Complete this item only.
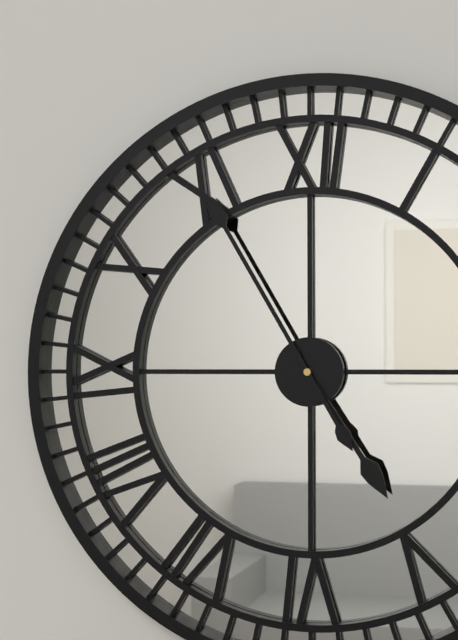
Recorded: 4h55
